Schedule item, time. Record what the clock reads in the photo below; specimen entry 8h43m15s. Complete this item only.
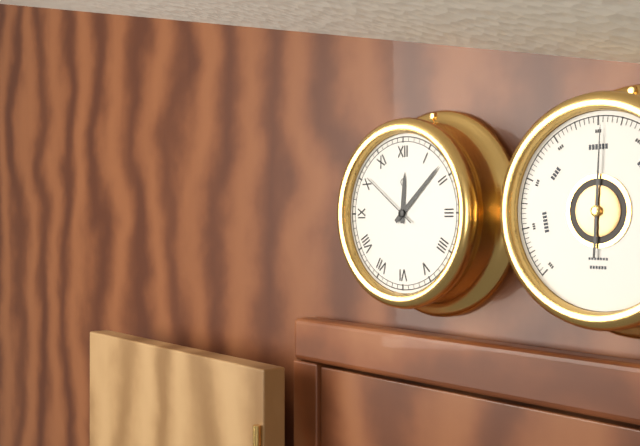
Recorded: 12h08m51s
